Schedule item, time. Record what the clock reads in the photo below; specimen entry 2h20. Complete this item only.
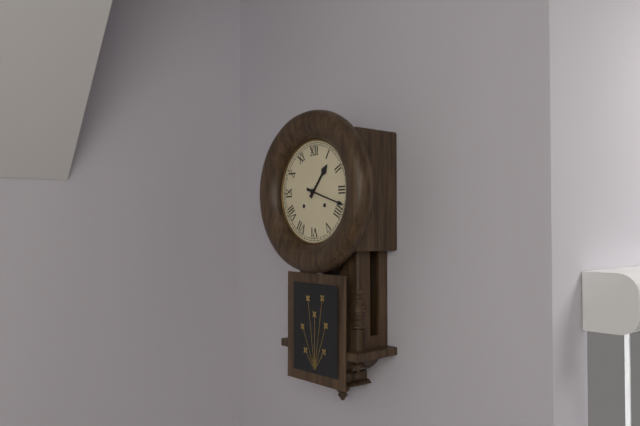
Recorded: 1h18
